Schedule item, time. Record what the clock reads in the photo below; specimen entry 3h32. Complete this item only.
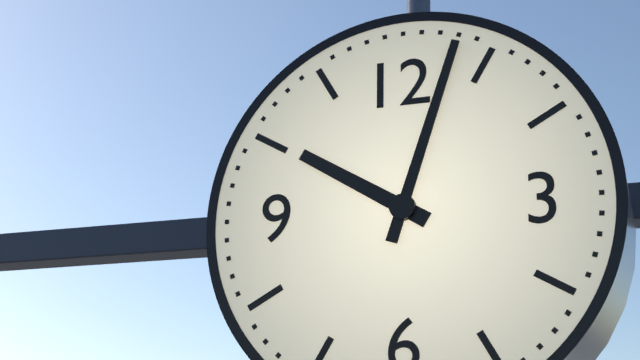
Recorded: 10h03
